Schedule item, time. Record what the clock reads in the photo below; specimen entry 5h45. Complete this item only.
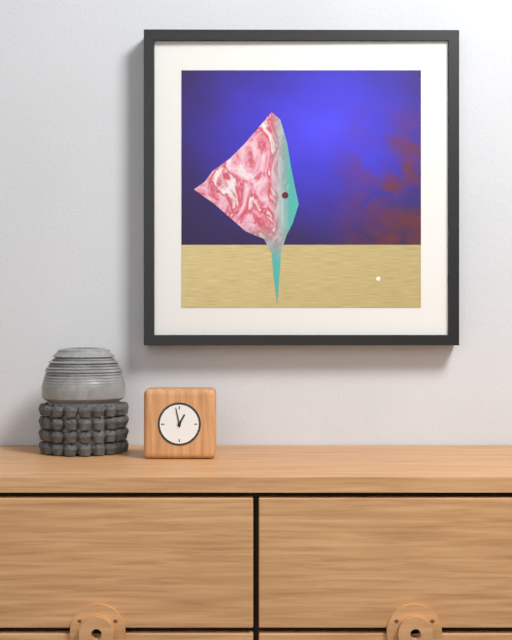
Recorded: 12h58
